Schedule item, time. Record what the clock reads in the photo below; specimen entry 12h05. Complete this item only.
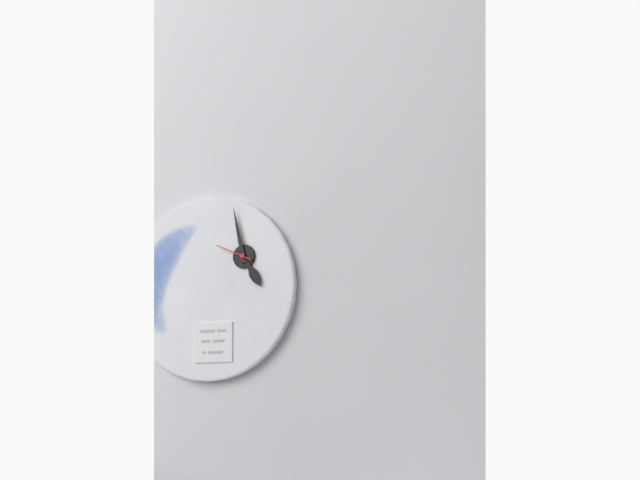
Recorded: 4h58
